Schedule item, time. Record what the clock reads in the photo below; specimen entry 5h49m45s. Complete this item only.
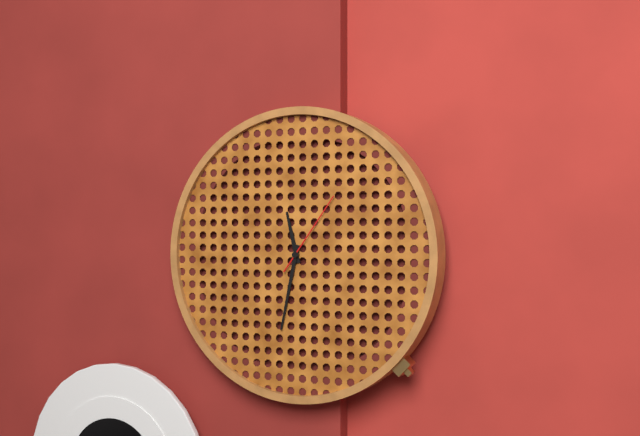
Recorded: 11h32m06s
